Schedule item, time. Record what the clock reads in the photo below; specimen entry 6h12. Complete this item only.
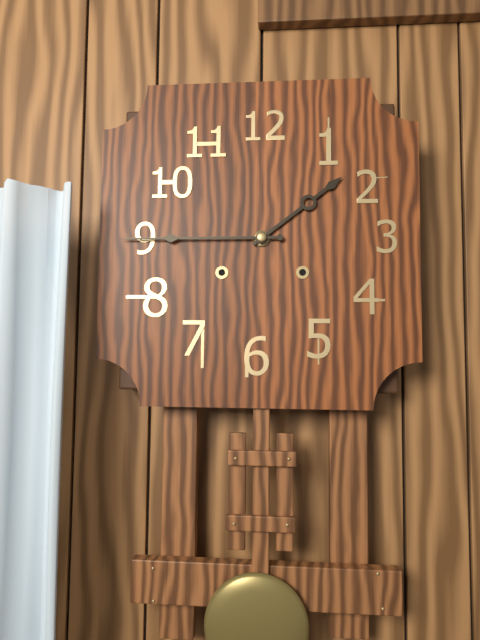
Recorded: 1h45
